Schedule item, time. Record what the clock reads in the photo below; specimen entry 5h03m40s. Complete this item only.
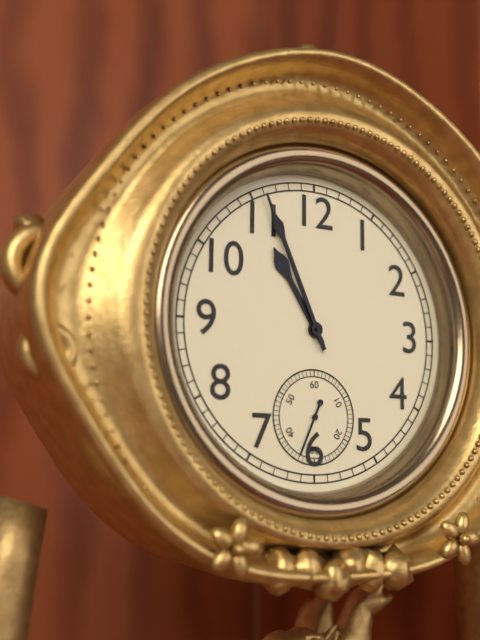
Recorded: 10h56m34s
